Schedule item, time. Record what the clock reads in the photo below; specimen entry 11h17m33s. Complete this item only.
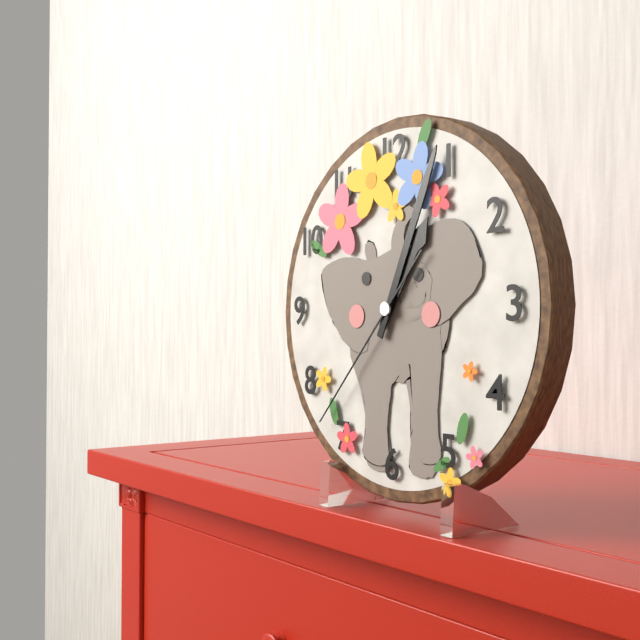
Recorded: 1h04m37s
